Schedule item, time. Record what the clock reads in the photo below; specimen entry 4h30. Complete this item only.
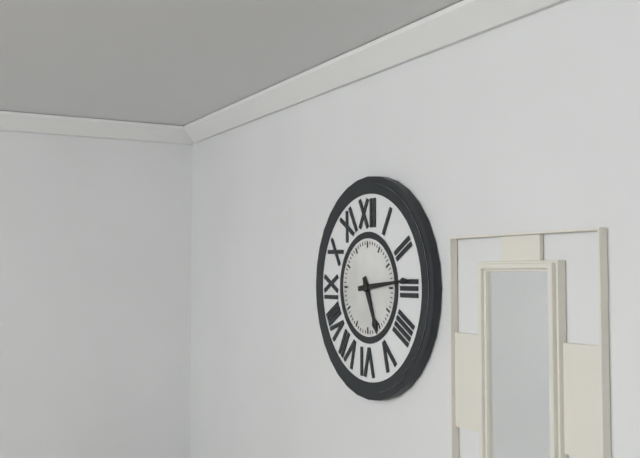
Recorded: 5h14
